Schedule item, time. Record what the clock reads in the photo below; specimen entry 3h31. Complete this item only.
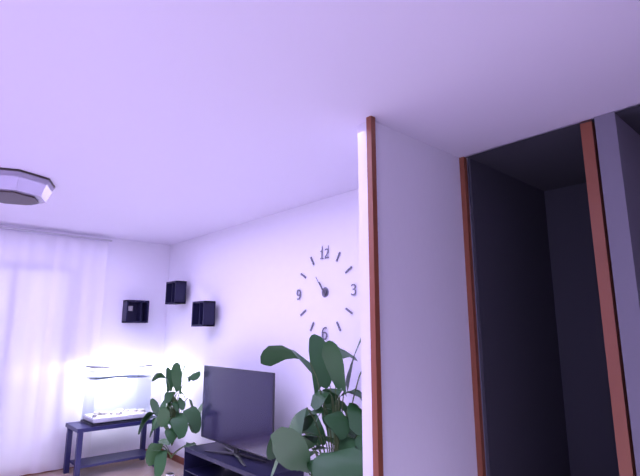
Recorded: 10h54
